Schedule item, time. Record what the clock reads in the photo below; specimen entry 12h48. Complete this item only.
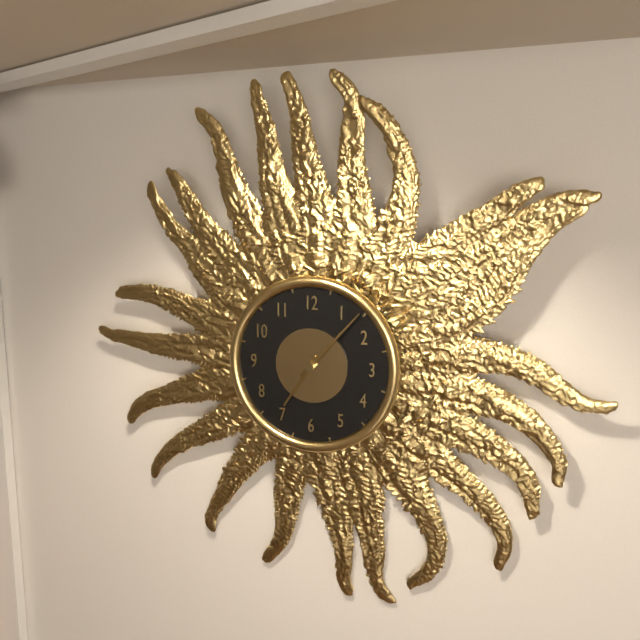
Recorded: 7h07
